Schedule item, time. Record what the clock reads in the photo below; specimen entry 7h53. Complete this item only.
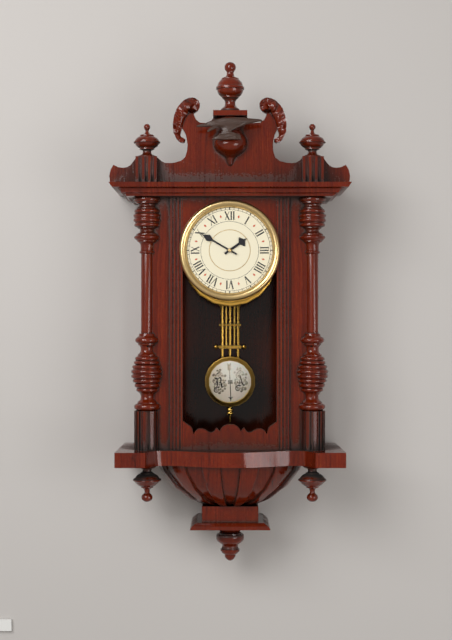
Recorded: 1h50
